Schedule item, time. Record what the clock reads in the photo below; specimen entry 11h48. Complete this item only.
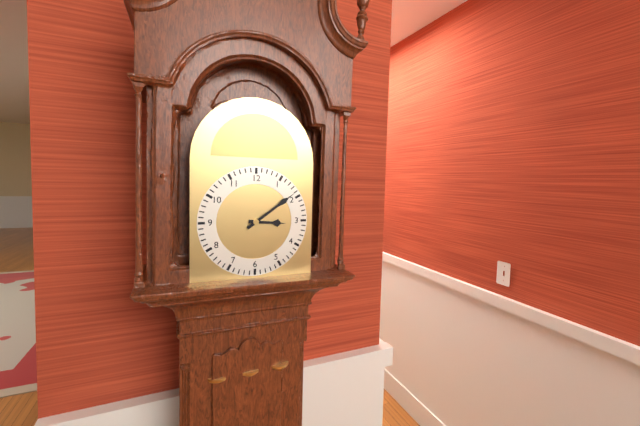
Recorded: 3h09
